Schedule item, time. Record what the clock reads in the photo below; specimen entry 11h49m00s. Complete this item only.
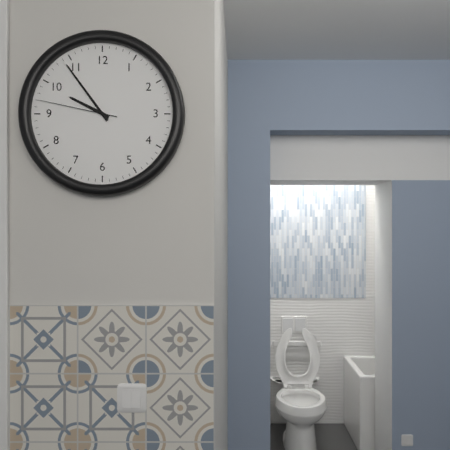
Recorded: 9h54m47s
